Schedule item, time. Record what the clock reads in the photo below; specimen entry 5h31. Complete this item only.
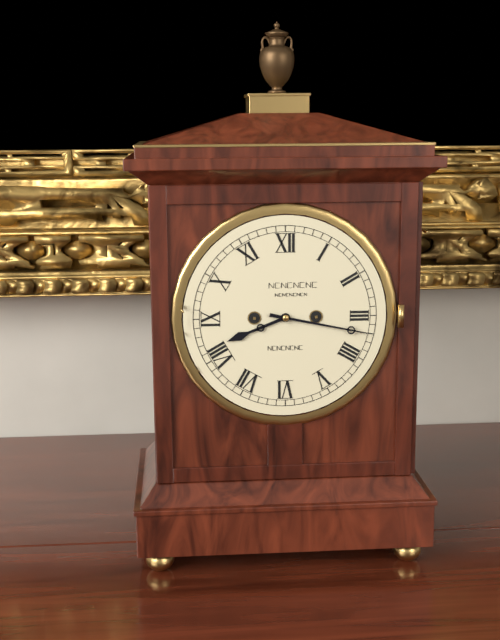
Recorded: 8h17
